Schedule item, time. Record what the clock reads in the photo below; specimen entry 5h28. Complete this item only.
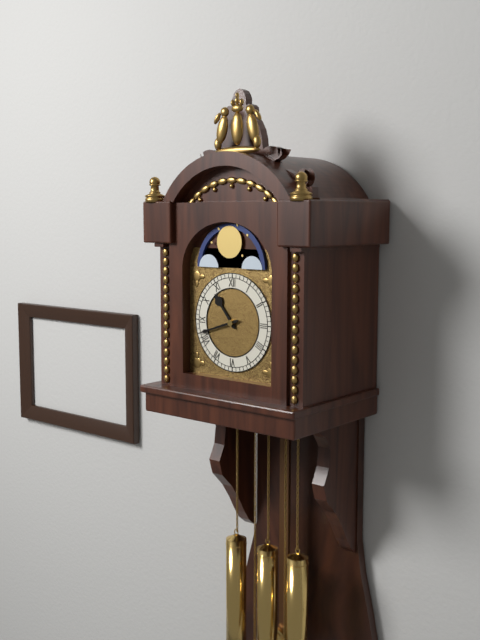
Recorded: 10h42
